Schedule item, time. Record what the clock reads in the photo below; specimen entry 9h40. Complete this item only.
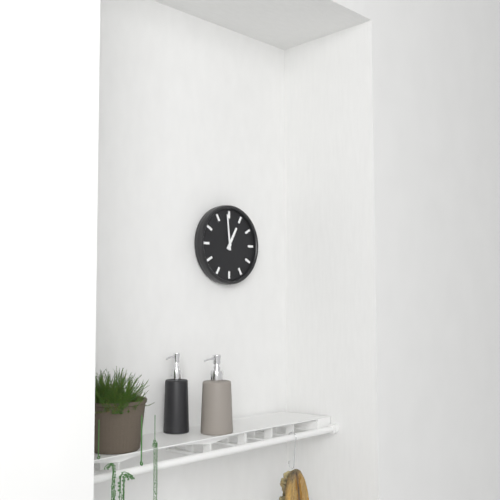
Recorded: 12h59
